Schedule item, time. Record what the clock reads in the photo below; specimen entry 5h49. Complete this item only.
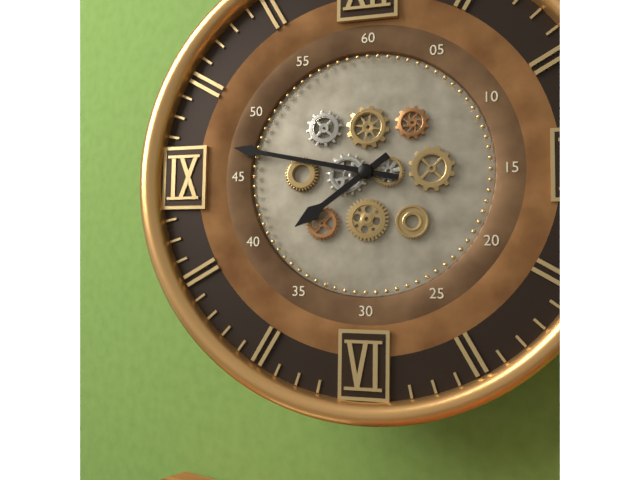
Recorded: 7h47
